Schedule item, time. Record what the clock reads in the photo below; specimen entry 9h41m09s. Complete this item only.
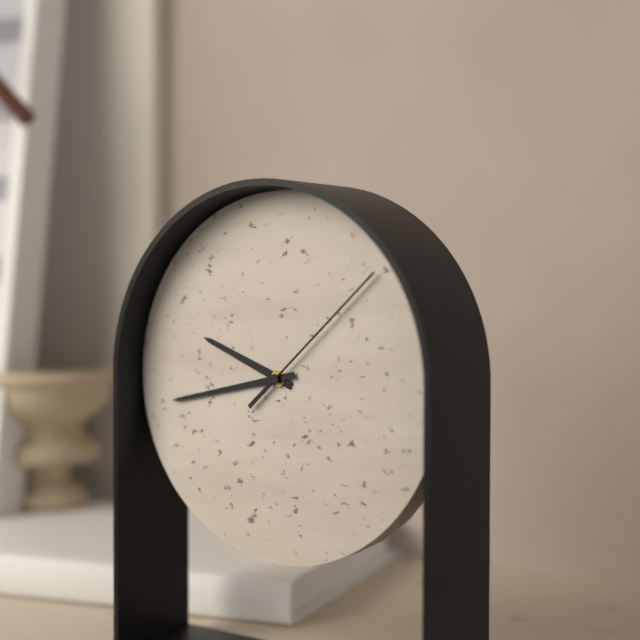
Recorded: 9h43m08s
